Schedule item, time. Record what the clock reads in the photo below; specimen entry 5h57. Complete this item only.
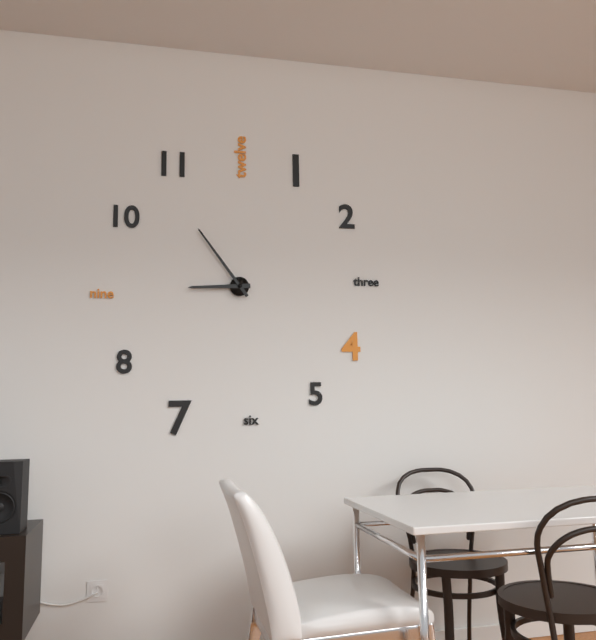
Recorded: 8h54
